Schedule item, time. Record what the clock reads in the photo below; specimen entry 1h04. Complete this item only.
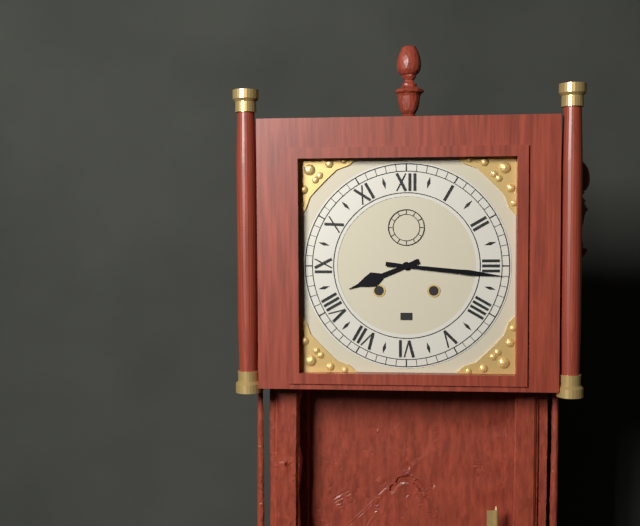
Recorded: 8h16
